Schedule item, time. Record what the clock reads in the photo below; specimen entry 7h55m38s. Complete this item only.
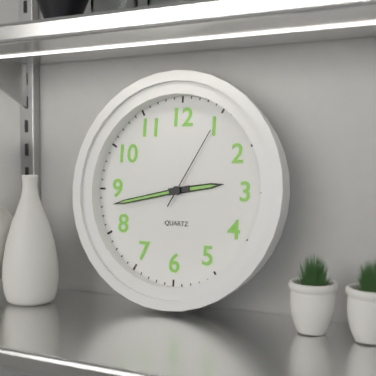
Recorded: 2h43m05s
